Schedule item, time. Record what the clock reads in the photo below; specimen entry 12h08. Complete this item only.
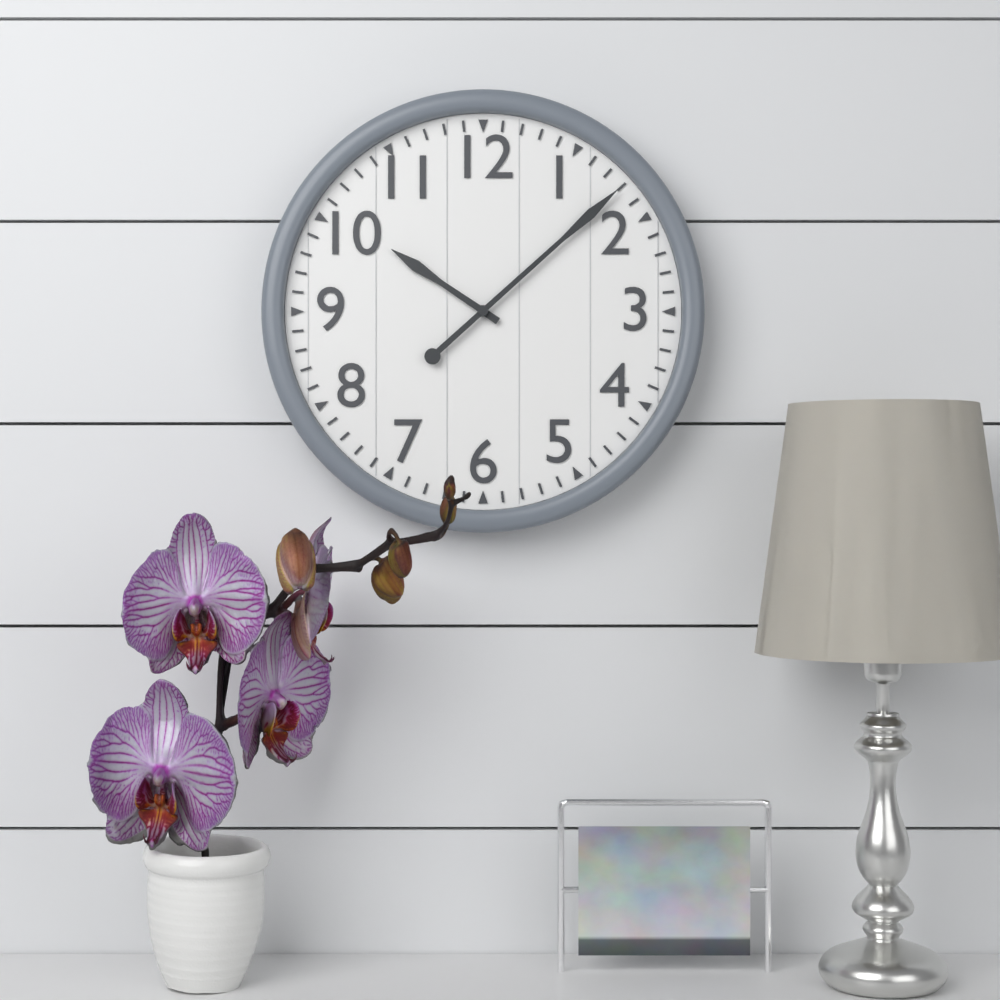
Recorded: 10h08
